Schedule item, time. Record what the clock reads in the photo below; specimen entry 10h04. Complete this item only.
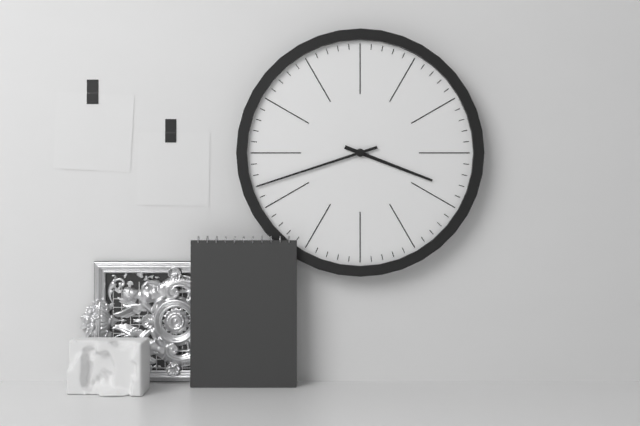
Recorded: 3h42
